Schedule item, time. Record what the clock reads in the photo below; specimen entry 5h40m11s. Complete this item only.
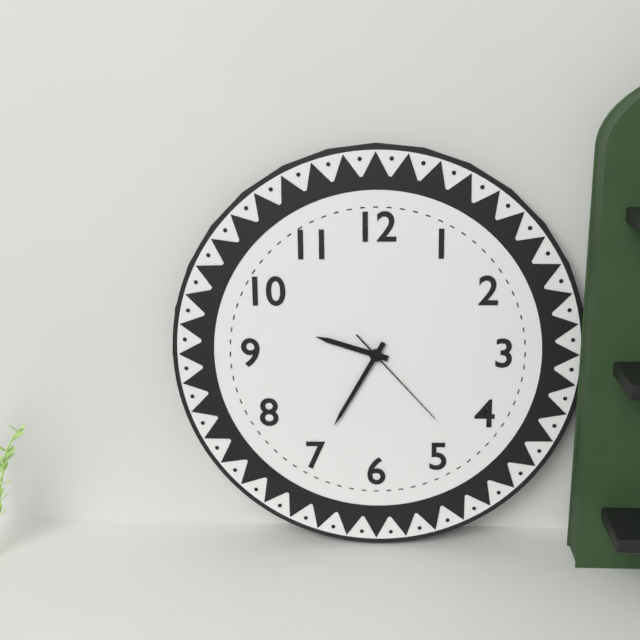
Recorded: 9h35m23s
